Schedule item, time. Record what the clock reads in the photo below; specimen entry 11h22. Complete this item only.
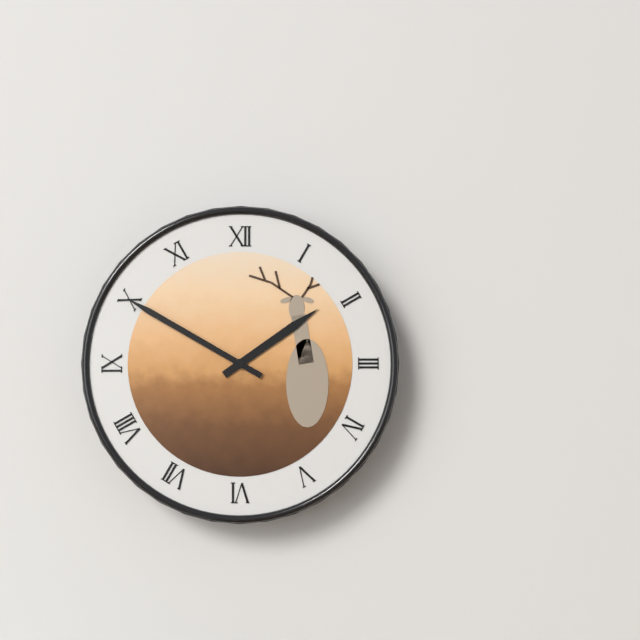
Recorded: 1h50
